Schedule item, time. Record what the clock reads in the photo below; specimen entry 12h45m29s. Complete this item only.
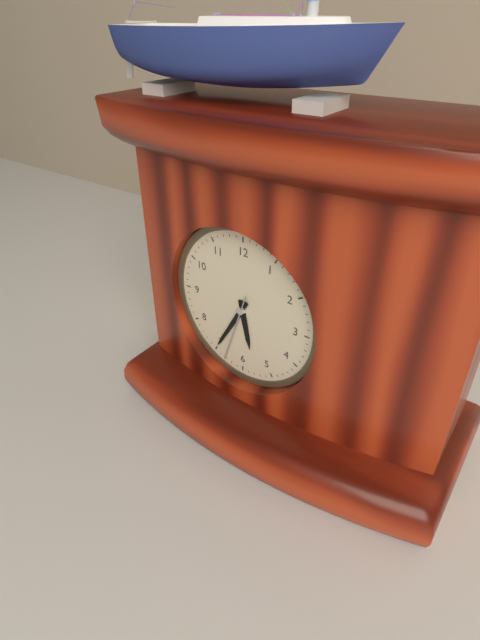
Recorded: 5h35m33s
